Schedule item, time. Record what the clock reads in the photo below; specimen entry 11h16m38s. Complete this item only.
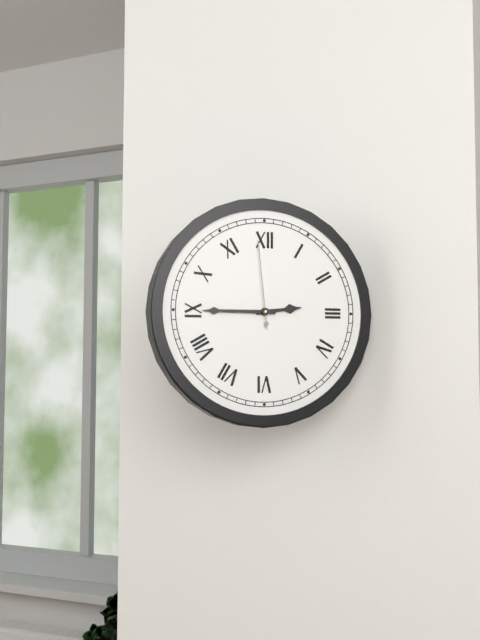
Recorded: 2h45m59s
